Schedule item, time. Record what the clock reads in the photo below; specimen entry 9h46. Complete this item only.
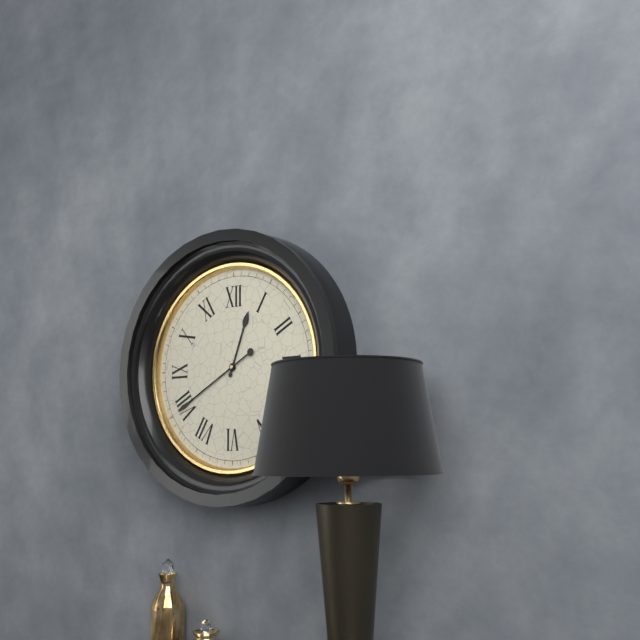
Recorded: 12h40
